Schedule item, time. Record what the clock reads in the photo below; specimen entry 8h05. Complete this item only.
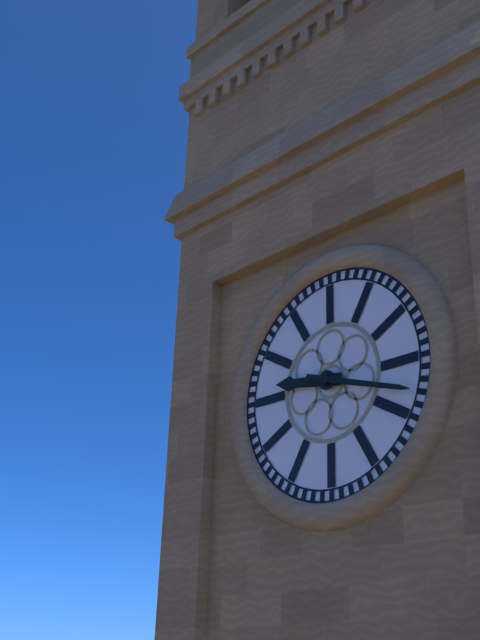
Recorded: 9h18
